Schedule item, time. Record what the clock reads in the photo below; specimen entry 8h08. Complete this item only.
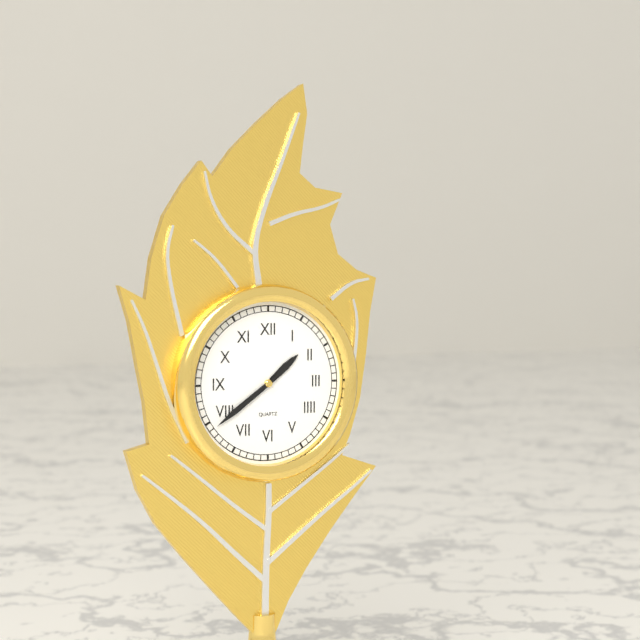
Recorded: 1h39
